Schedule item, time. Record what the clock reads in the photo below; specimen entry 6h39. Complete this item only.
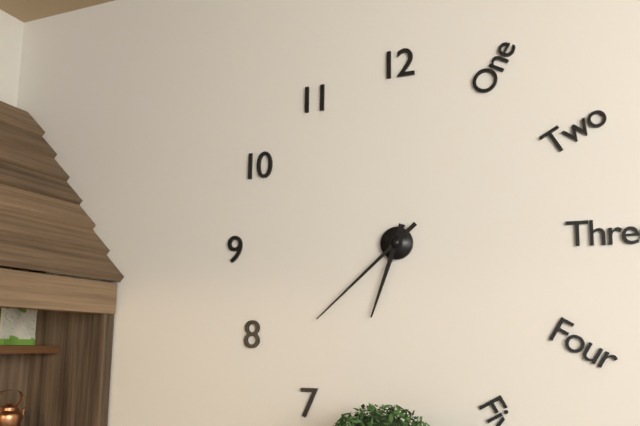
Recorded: 6h38
